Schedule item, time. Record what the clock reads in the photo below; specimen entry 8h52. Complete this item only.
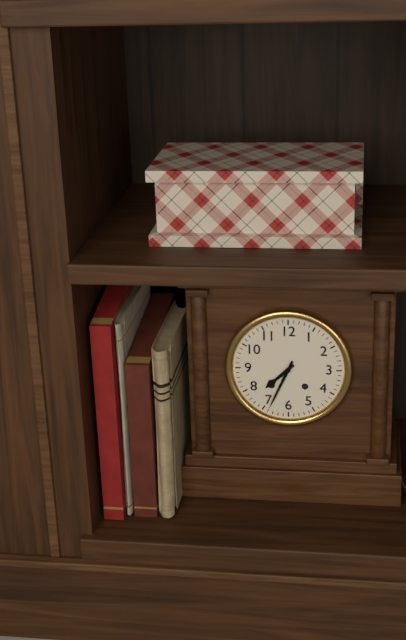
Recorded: 7h34
